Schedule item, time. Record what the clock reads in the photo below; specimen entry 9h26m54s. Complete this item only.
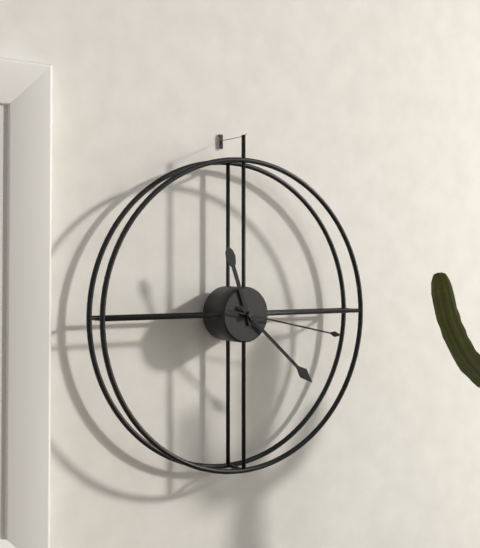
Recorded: 11h22m17s
